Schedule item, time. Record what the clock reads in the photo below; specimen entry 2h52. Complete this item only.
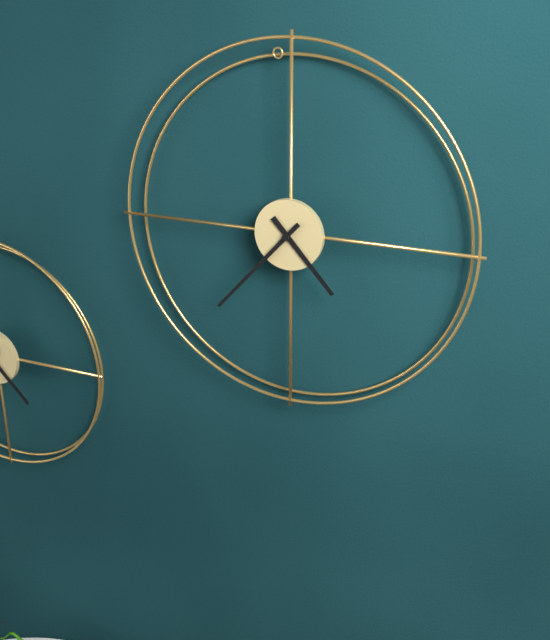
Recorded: 4h37
